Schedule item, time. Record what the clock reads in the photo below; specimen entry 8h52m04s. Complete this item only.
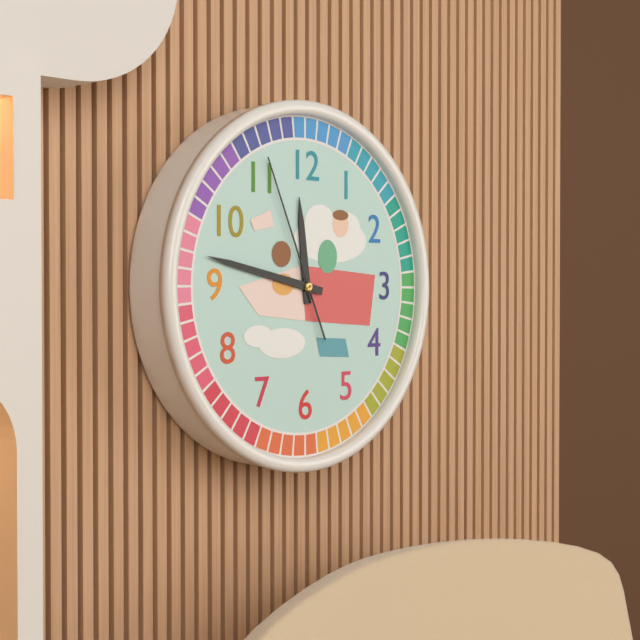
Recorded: 11h47m56s
